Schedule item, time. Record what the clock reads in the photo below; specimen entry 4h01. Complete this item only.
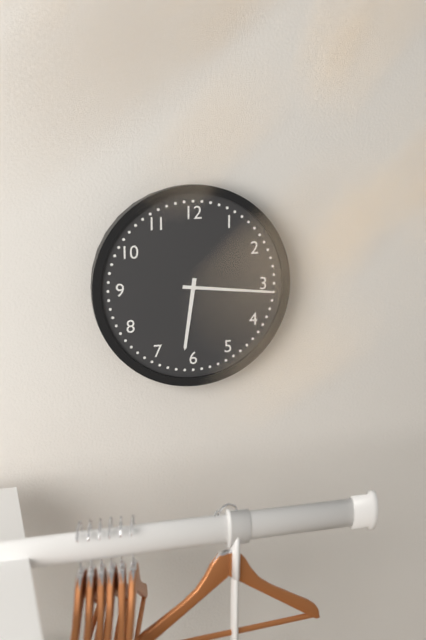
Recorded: 6h16
